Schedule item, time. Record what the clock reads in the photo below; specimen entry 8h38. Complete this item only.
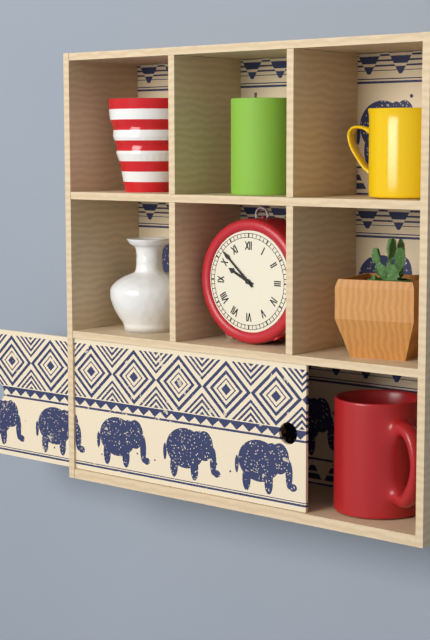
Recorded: 9h52
